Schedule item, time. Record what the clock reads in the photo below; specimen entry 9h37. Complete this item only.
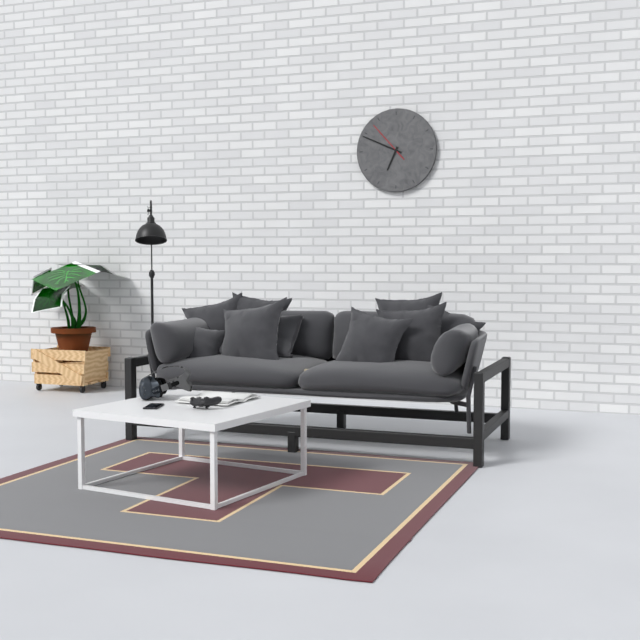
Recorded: 6h49
